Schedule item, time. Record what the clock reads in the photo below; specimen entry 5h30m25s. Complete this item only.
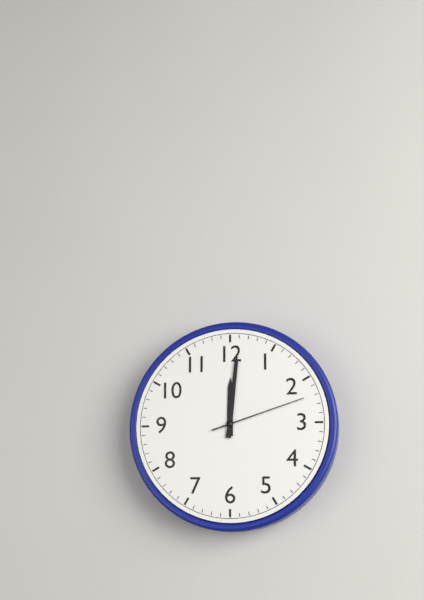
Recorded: 12h01m12s
